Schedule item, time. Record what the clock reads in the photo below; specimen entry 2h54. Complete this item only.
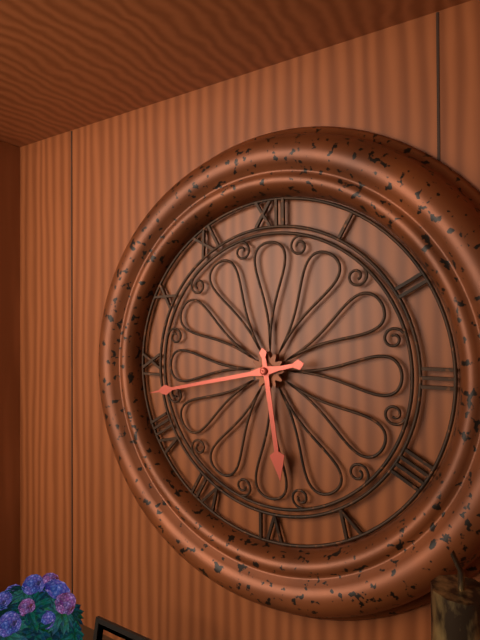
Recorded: 5h43
